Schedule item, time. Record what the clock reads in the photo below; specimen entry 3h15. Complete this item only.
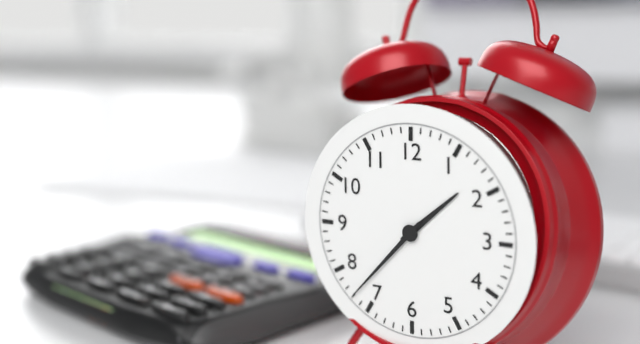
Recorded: 1h37
